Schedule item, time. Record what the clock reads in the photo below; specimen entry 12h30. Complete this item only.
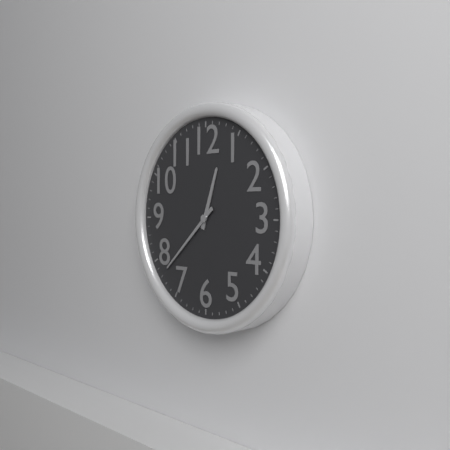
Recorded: 12h38
